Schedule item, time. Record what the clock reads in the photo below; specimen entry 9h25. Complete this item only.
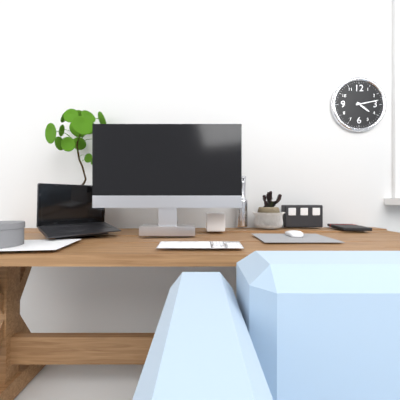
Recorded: 4h13
